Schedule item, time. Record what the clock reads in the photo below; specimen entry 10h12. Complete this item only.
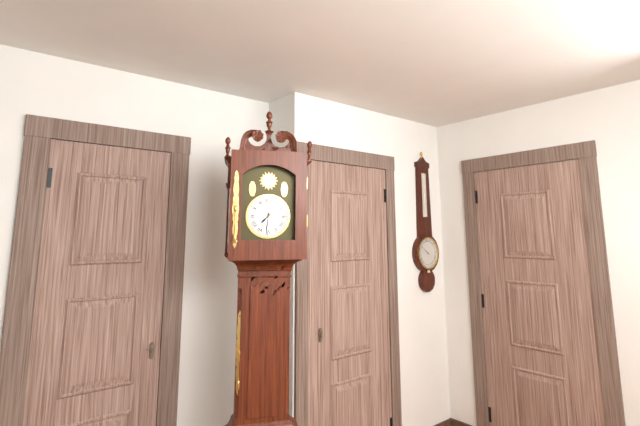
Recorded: 7h31
